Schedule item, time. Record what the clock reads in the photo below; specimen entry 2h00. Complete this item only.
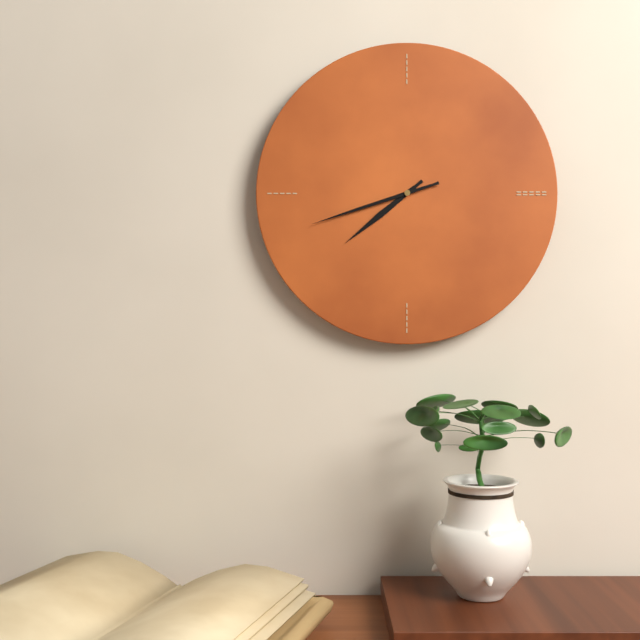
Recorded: 7h42
